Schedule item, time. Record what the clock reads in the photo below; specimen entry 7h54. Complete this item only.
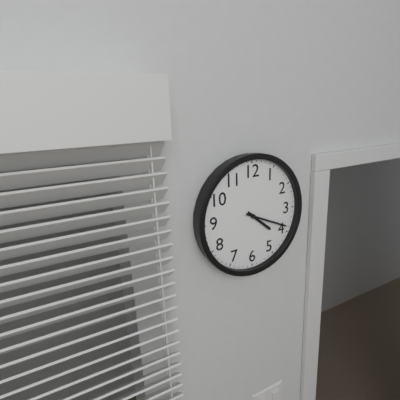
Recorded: 4h19
